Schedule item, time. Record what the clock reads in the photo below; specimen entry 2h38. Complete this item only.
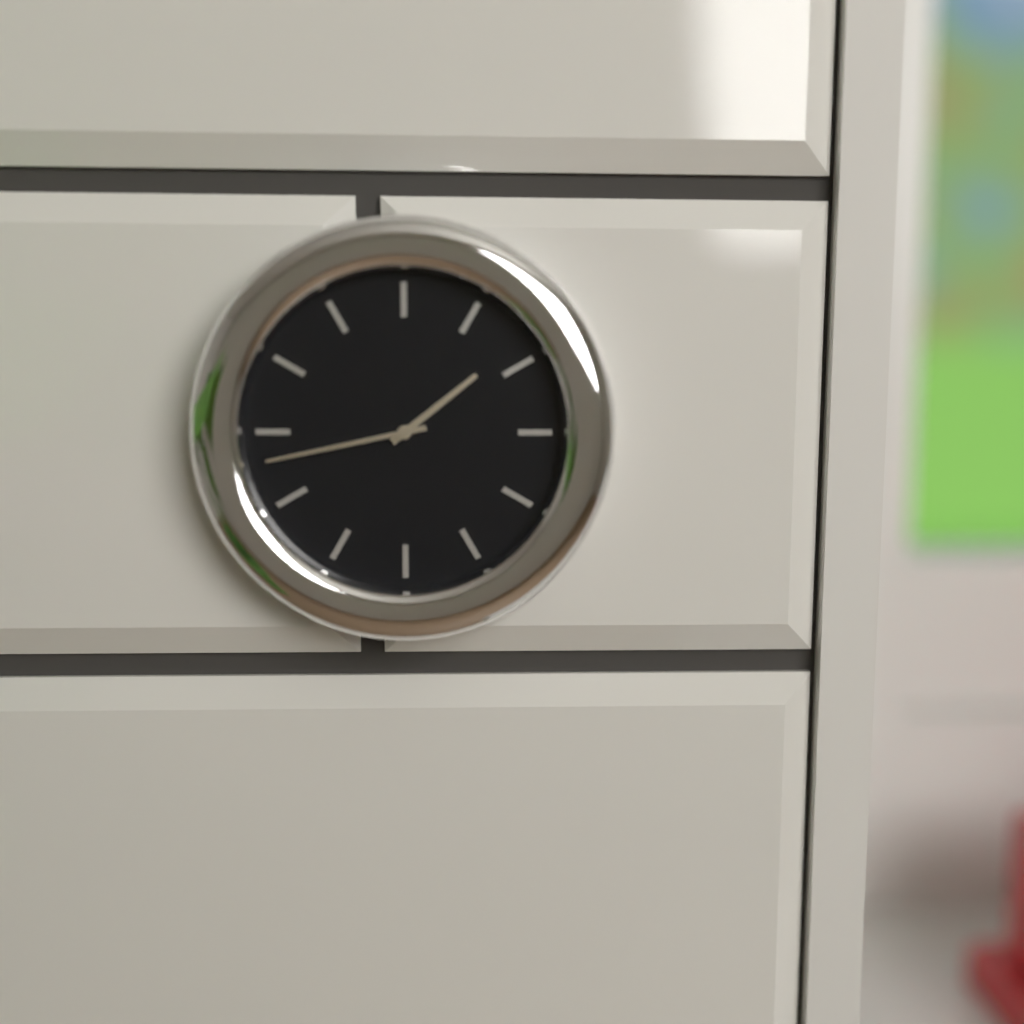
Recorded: 1h43
